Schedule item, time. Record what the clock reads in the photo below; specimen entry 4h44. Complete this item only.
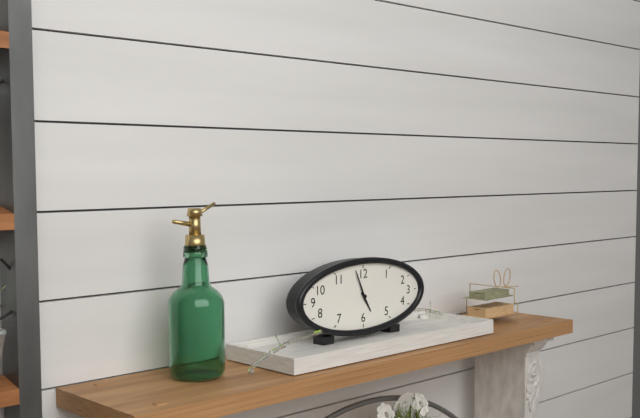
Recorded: 4h56
